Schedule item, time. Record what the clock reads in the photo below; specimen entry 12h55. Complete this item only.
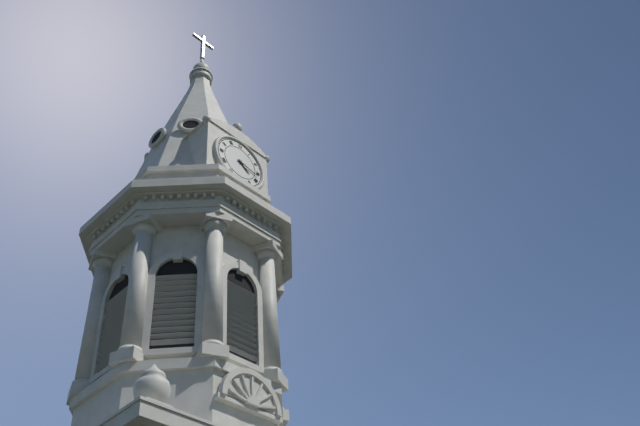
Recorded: 4h17
